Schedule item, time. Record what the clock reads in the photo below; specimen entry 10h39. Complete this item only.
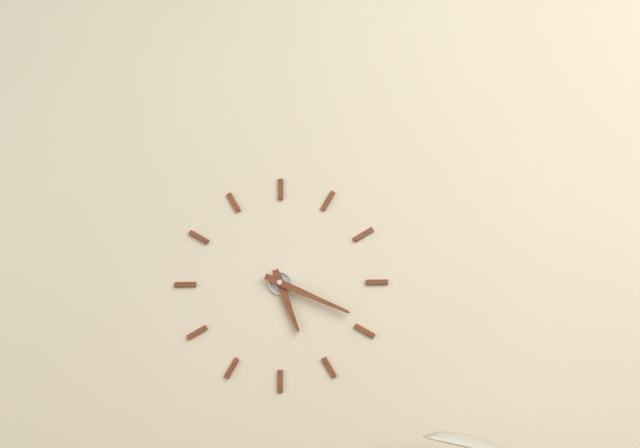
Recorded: 5h19
